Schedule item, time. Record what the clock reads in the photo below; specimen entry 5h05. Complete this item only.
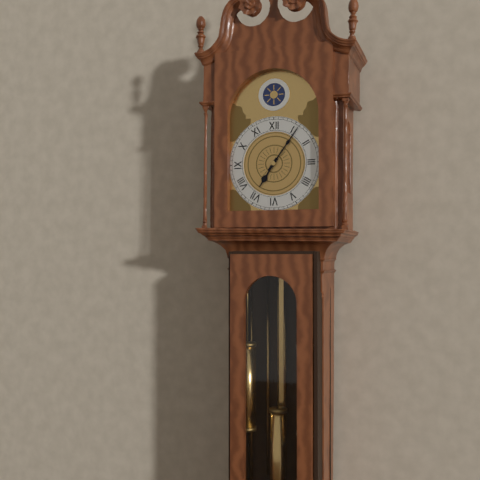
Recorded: 7h06
